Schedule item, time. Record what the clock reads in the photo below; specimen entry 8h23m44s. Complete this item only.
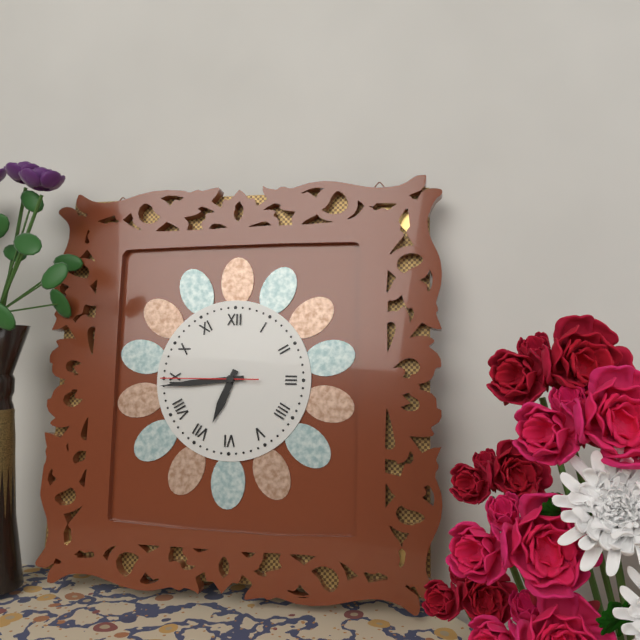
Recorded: 6h44m45s
